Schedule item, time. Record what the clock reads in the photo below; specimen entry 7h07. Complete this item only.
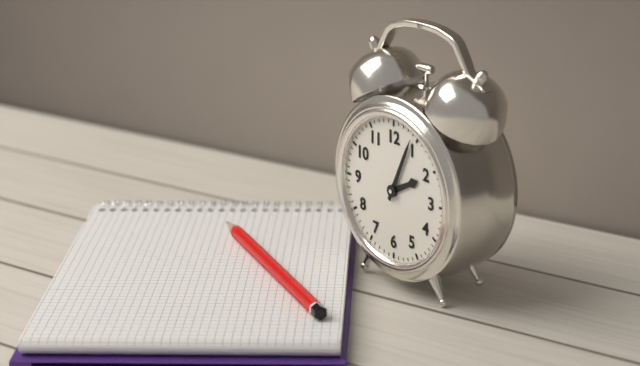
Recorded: 2h04
